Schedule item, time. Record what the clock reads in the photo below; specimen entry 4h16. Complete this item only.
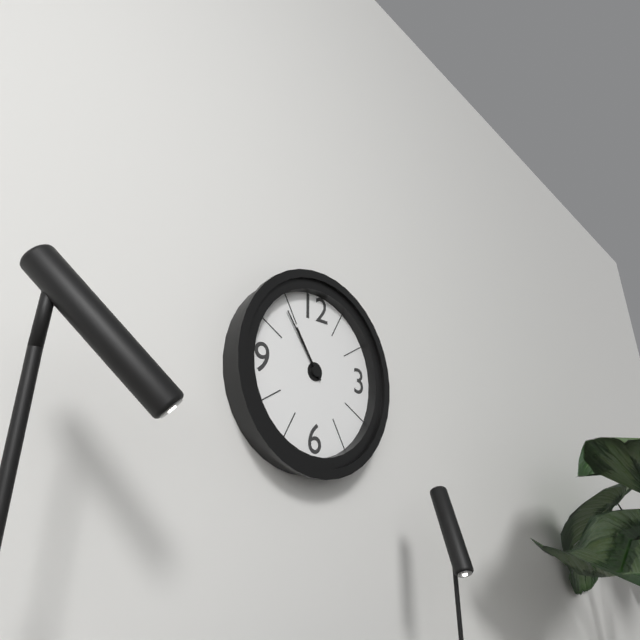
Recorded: 10h54
